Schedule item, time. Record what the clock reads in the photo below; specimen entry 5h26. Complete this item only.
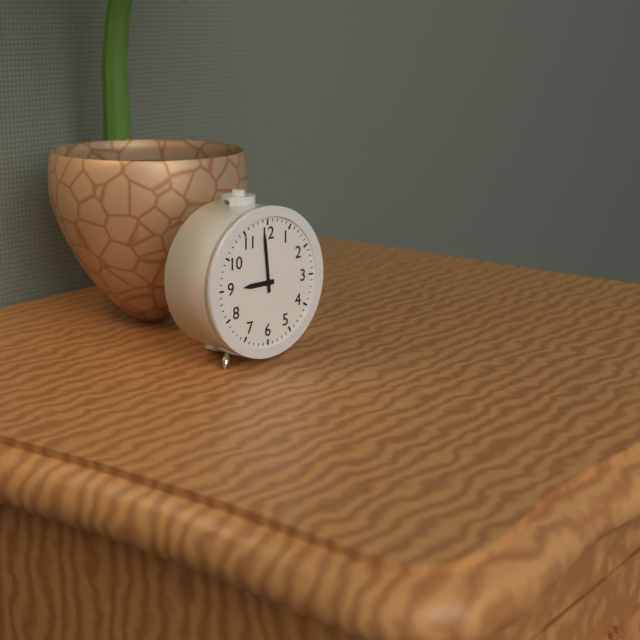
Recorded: 8h59
